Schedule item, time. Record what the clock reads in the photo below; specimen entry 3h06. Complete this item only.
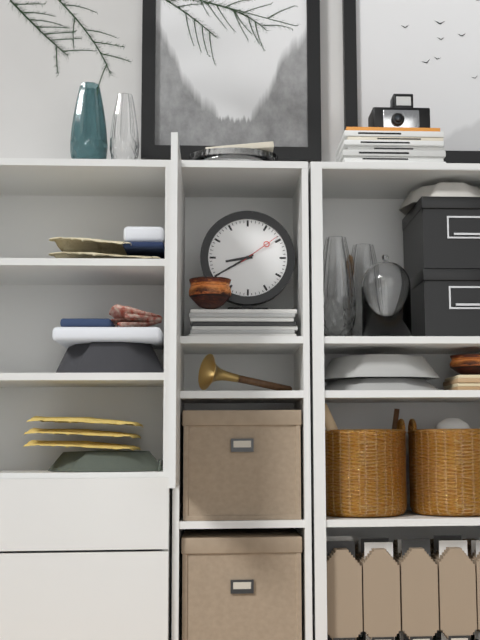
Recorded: 8h40
